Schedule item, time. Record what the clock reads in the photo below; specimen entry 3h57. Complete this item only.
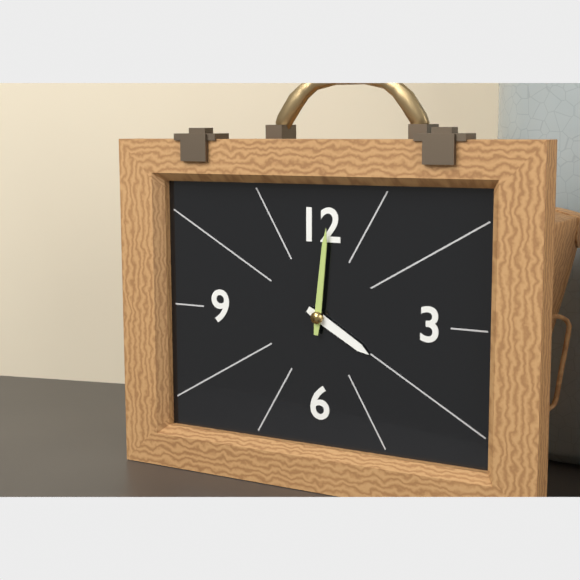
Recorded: 4h01
